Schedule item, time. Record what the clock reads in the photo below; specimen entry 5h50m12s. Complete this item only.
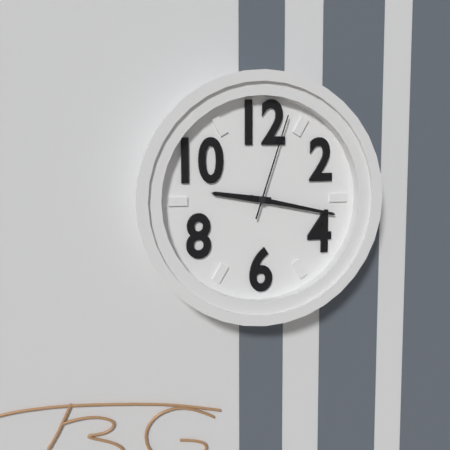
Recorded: 9h17m03s
